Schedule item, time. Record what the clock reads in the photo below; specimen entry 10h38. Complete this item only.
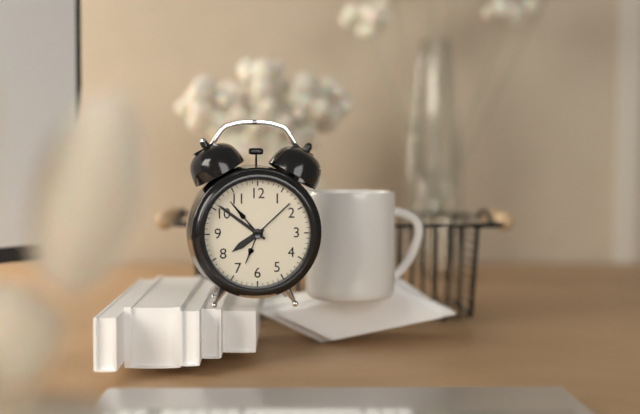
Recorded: 7h51
